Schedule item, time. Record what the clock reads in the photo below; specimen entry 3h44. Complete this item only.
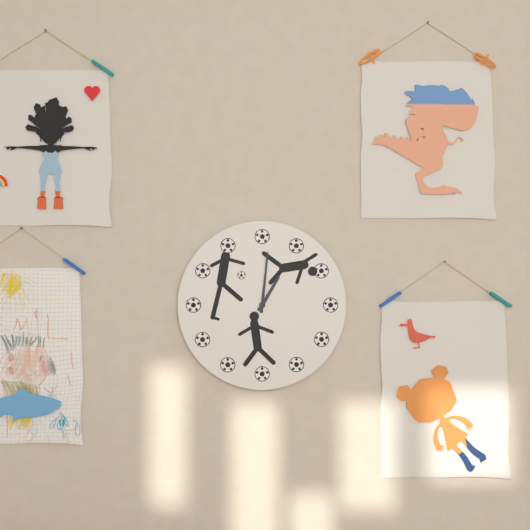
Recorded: 1h01
